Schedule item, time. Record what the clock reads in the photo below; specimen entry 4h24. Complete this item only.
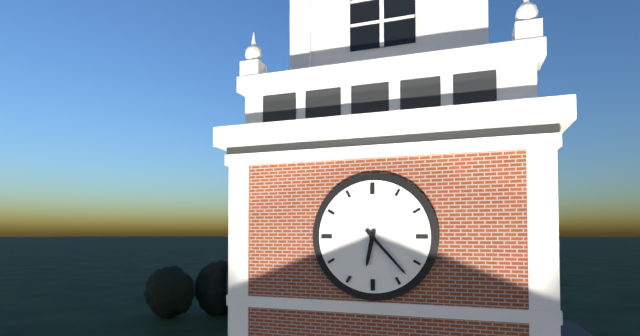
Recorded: 6h23
